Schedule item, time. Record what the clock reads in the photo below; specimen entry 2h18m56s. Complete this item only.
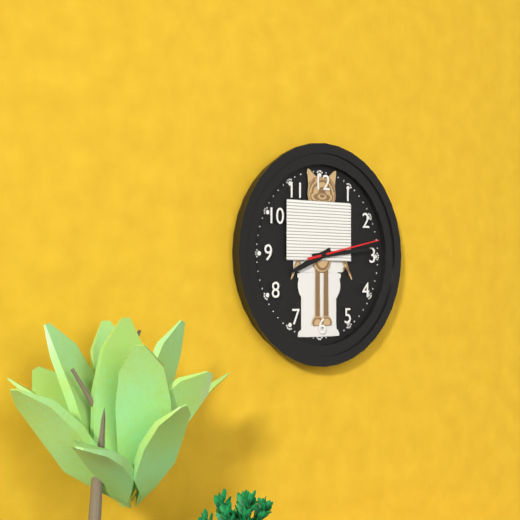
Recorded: 8h14m13s
